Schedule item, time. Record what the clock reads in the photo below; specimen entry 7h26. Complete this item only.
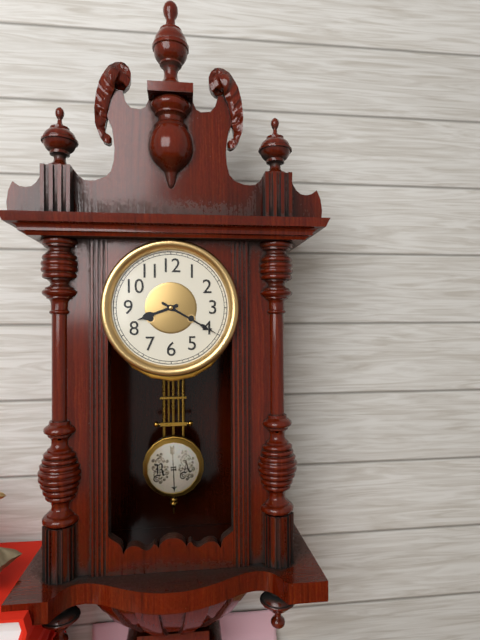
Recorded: 8h20
